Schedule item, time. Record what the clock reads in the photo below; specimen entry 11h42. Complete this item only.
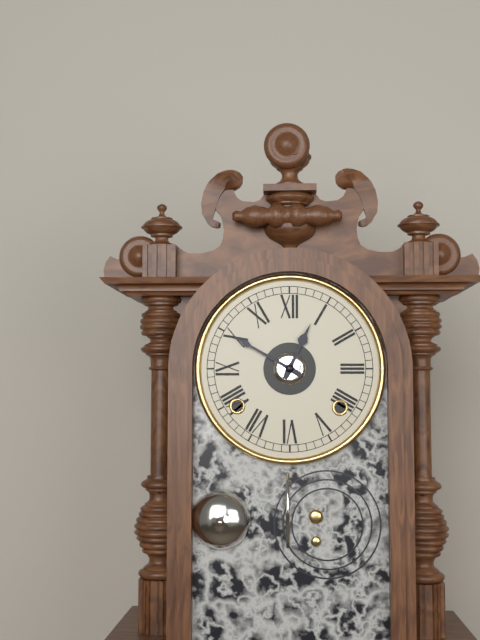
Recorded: 12h50
